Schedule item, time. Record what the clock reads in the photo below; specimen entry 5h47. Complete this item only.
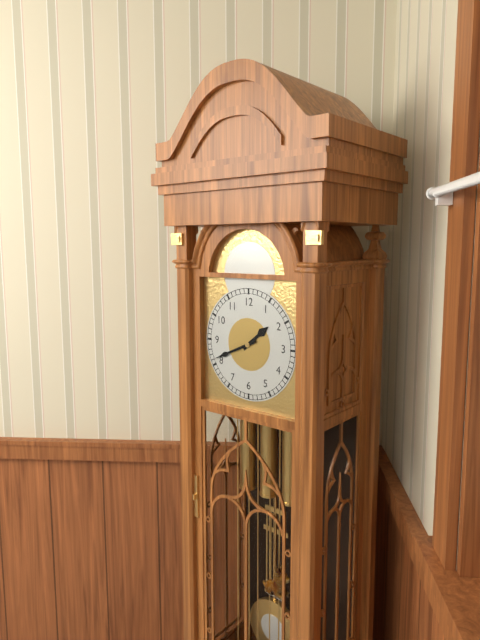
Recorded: 1h41
